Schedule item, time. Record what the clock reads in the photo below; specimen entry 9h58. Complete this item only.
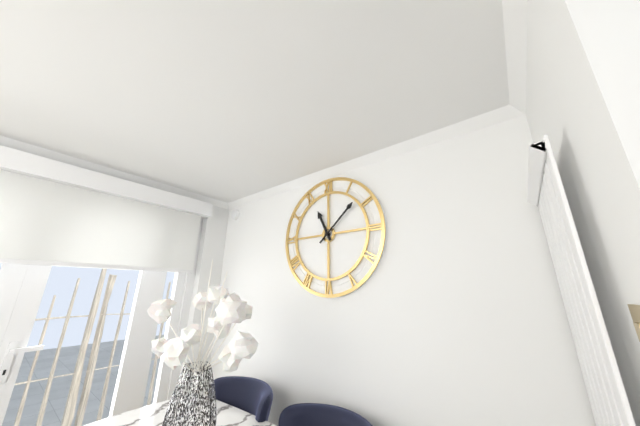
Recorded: 11h08
